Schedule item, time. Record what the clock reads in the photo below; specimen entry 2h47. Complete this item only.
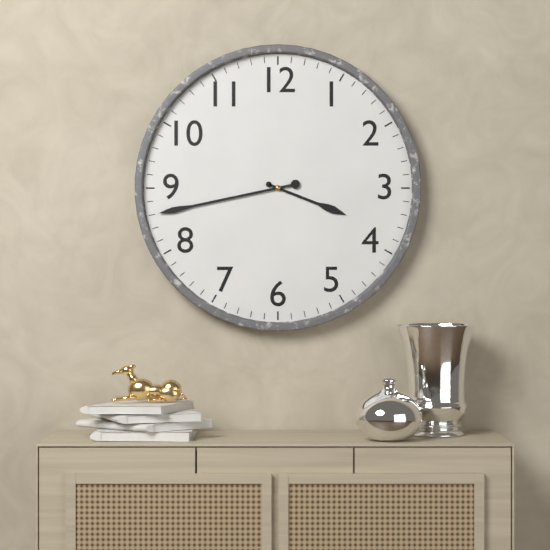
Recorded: 3h43
